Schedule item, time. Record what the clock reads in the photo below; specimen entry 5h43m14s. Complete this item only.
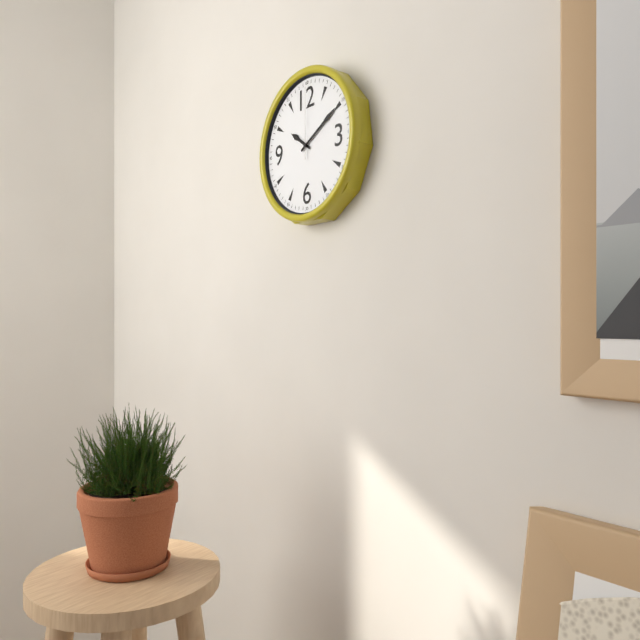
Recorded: 10h10m00s
